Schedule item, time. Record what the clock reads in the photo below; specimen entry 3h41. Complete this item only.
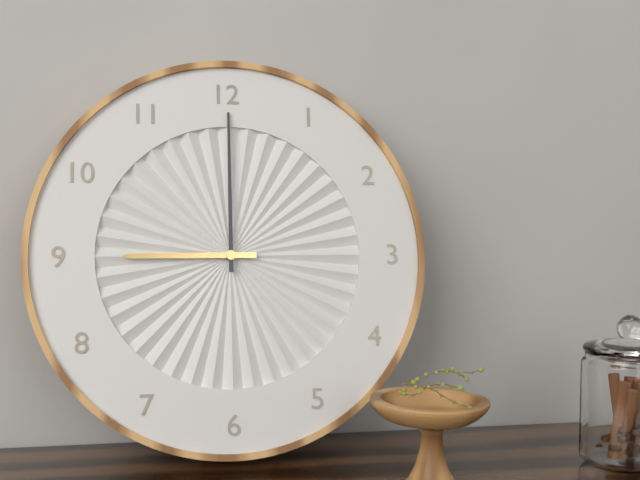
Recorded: 9h00
